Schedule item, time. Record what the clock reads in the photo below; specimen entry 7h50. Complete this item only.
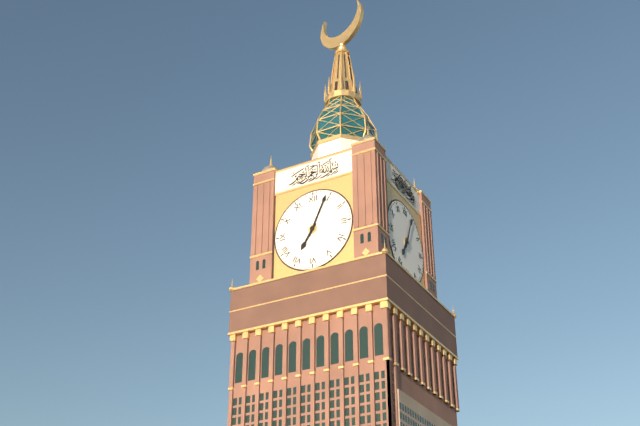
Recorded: 7h04
